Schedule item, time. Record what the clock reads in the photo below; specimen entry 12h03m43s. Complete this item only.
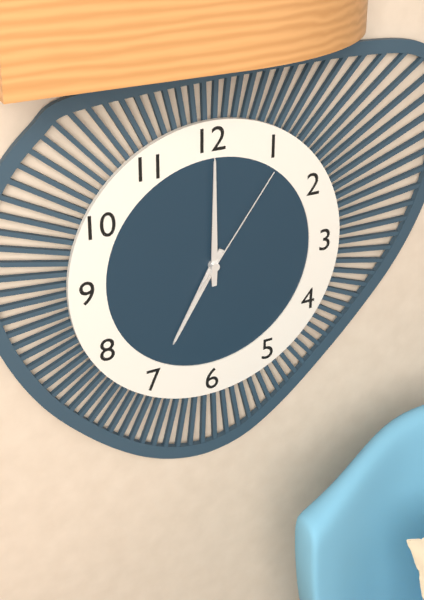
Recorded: 7h00m06s
